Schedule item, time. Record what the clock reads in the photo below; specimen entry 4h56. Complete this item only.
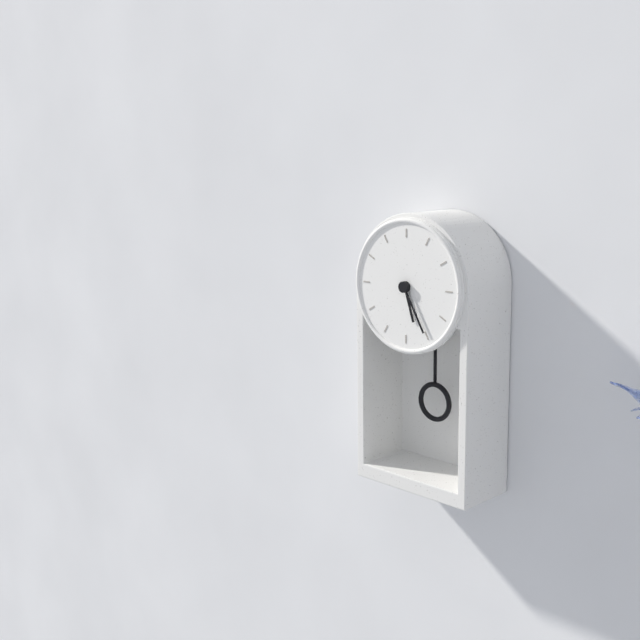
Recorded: 5h25
